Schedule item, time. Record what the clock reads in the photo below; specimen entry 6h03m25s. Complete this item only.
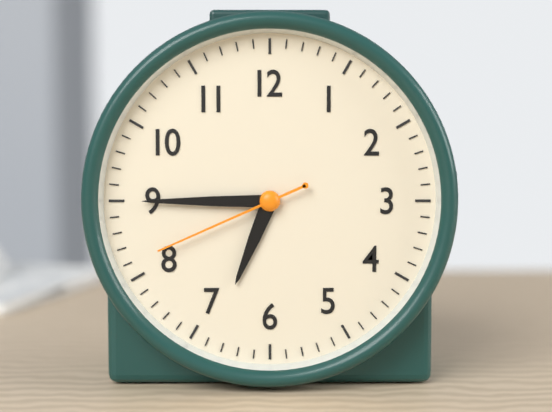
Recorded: 6h45m41s
